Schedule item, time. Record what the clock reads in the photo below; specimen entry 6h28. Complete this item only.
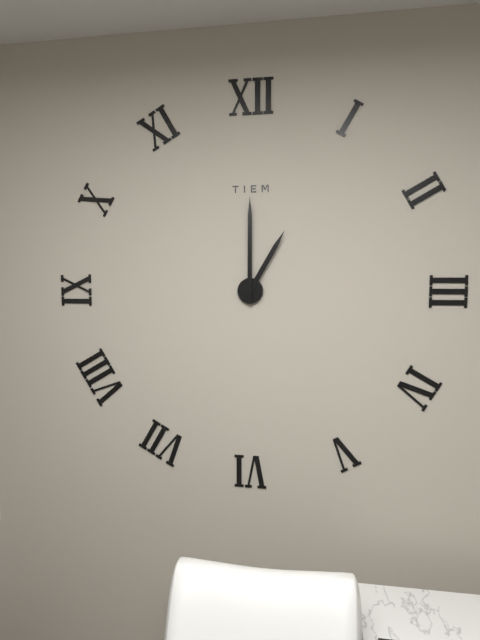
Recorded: 1h00
